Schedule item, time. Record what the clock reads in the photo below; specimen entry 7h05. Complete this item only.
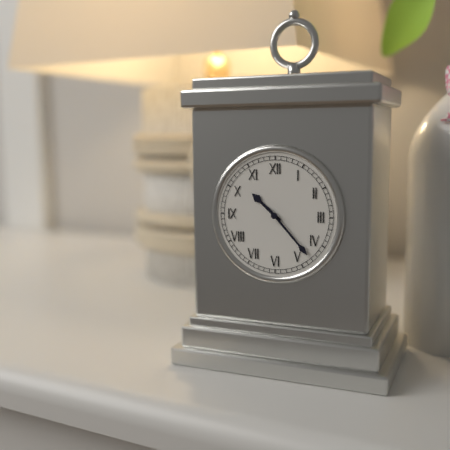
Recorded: 10h23
